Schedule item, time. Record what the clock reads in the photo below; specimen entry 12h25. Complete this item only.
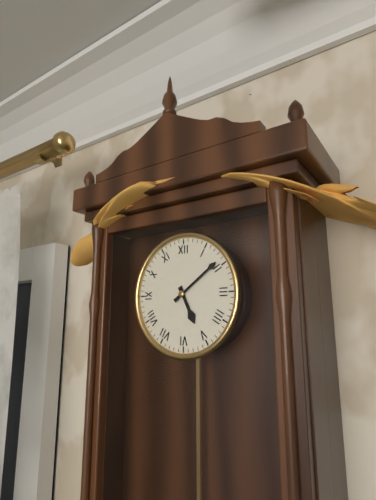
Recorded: 5h09
